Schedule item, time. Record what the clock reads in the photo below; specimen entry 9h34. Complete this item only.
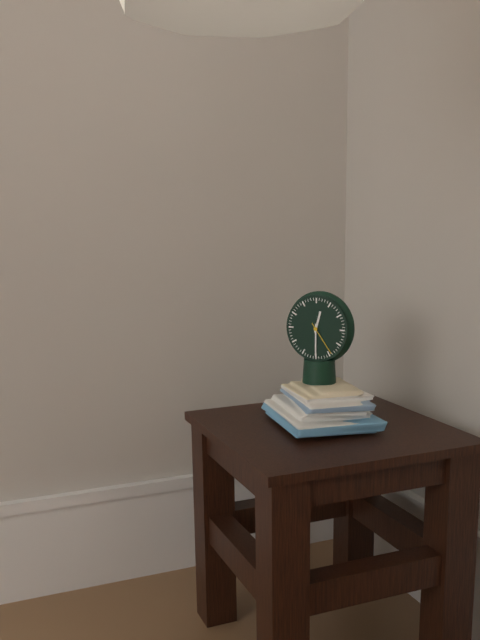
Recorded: 12h30
